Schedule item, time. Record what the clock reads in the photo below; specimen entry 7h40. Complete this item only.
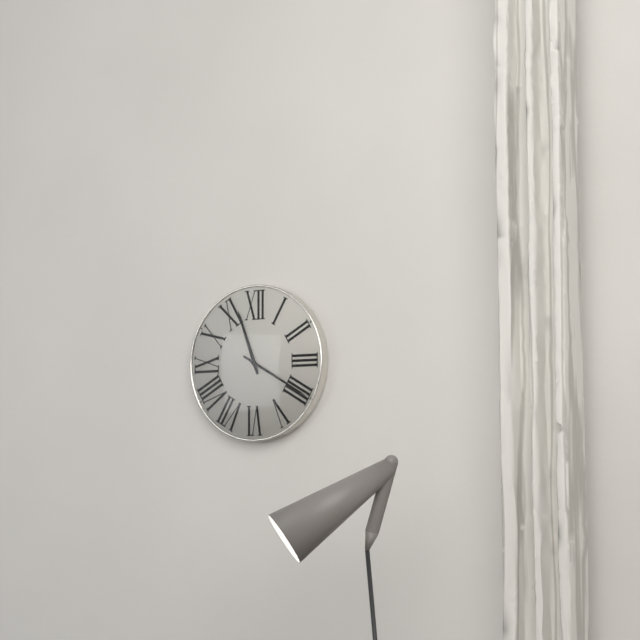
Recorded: 11h20
